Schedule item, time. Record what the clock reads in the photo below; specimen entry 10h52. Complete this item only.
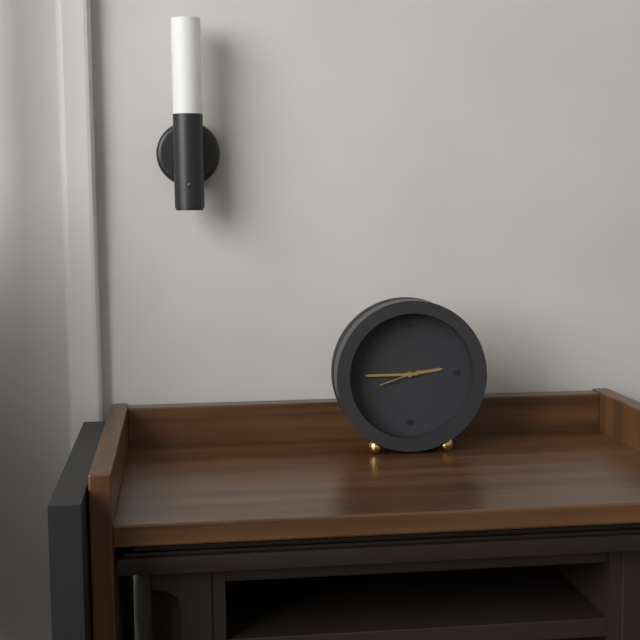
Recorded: 2h45
